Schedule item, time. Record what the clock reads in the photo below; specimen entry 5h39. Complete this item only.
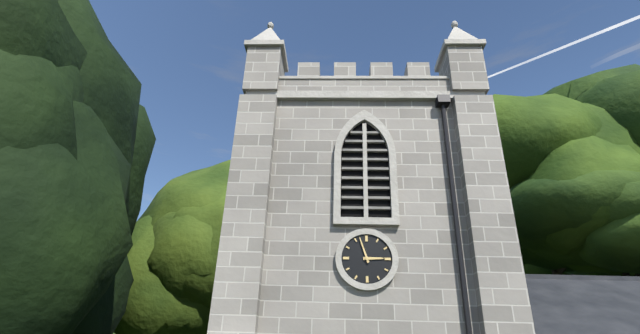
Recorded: 2h57
